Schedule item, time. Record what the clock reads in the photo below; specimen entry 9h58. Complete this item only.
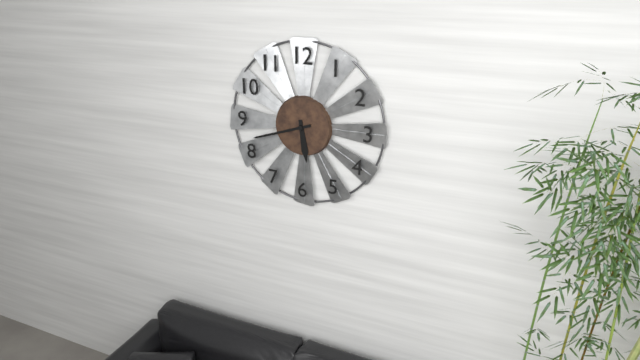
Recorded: 5h42
